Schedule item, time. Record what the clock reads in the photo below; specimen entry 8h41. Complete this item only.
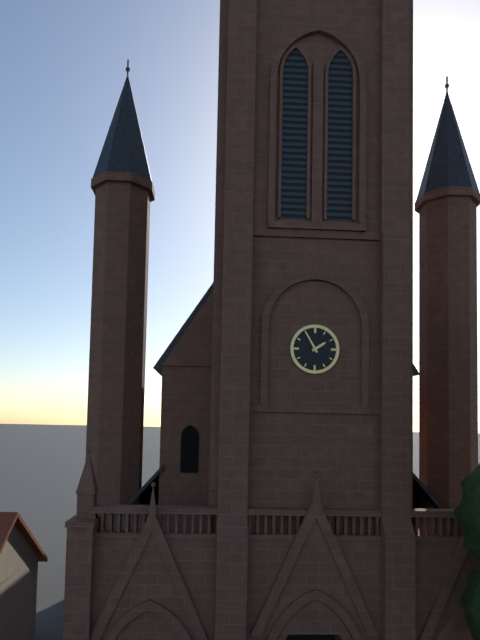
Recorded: 1h55
